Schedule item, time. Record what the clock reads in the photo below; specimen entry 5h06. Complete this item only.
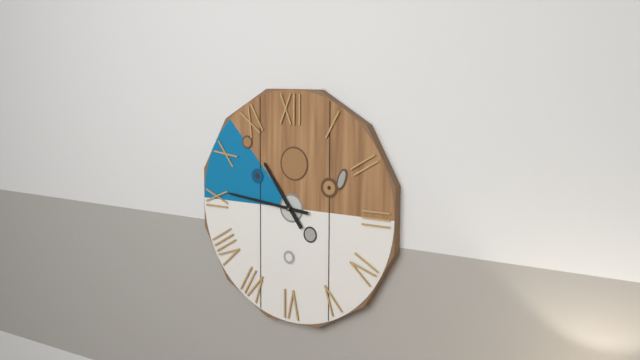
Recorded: 10h46
